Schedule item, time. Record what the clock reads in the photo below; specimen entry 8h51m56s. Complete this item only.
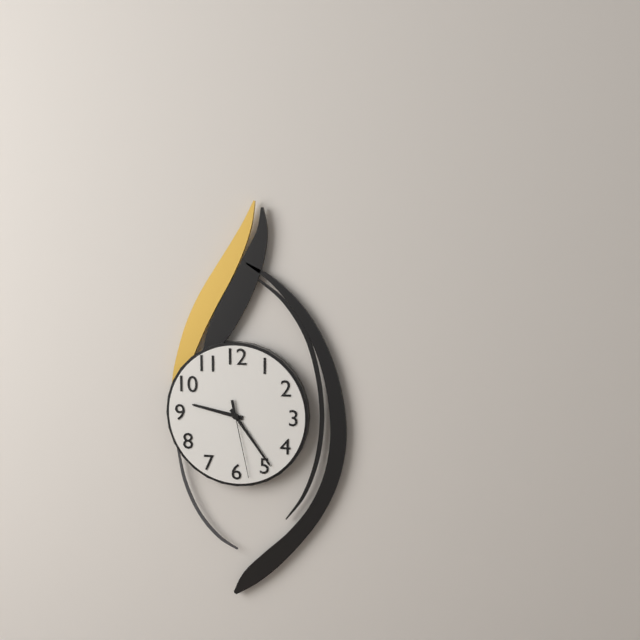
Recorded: 9h24m28s
